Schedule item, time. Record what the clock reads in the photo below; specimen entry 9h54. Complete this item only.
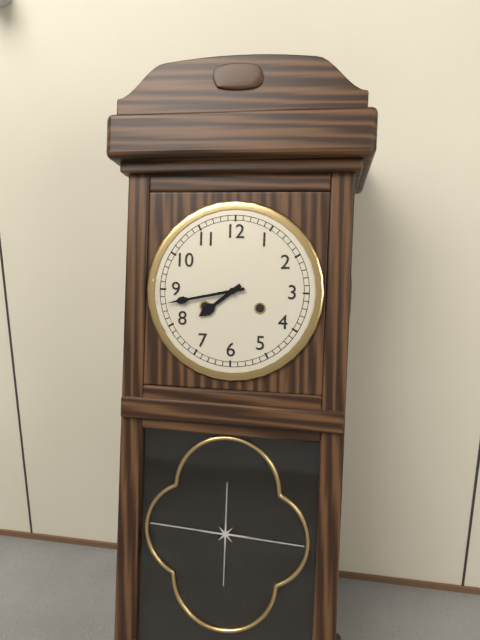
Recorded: 7h43
